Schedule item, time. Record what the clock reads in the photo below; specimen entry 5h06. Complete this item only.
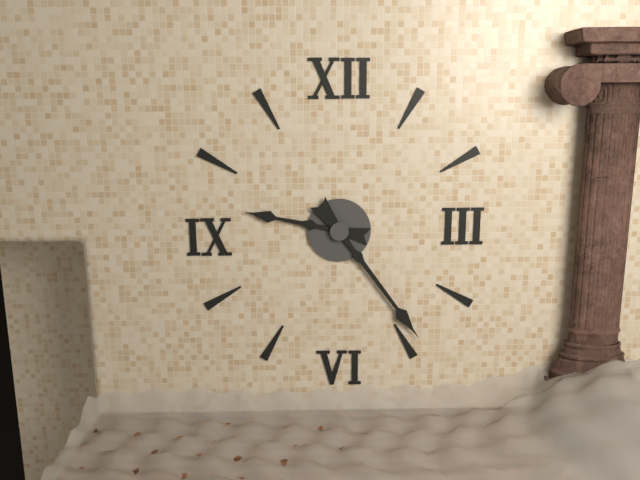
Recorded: 9h24
